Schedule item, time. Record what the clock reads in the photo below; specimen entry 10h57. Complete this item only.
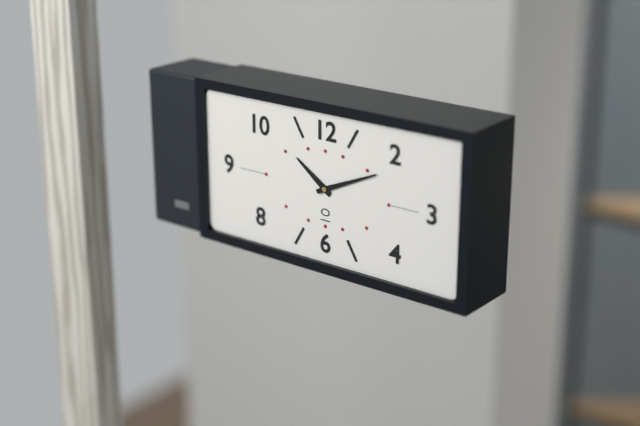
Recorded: 10h11
